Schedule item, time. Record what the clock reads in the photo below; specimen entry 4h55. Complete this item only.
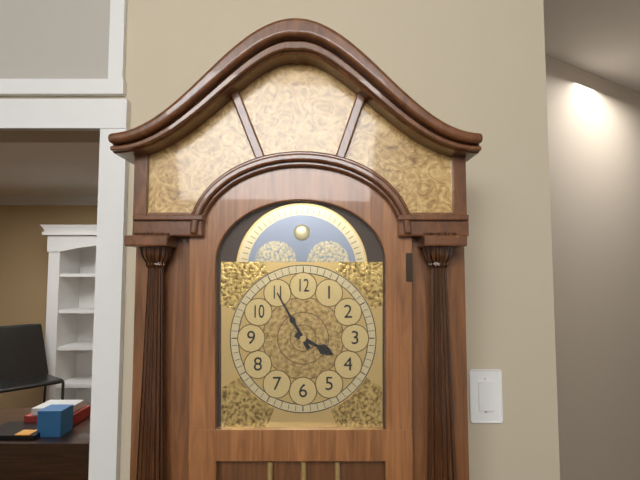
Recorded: 3h55
